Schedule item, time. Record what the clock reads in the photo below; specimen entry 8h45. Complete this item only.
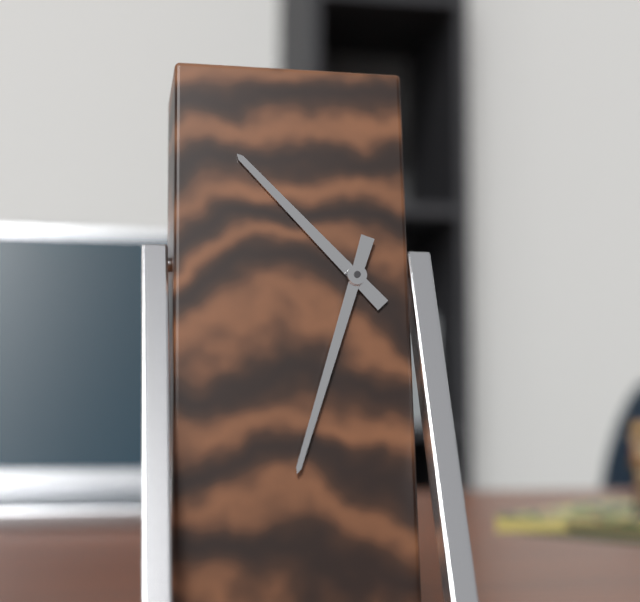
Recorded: 10h33
